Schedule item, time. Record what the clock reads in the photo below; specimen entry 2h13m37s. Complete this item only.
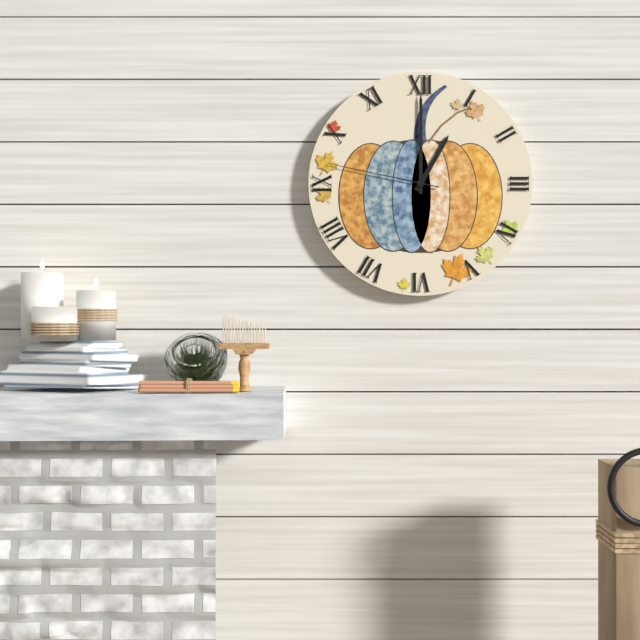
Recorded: 1h00m47s
